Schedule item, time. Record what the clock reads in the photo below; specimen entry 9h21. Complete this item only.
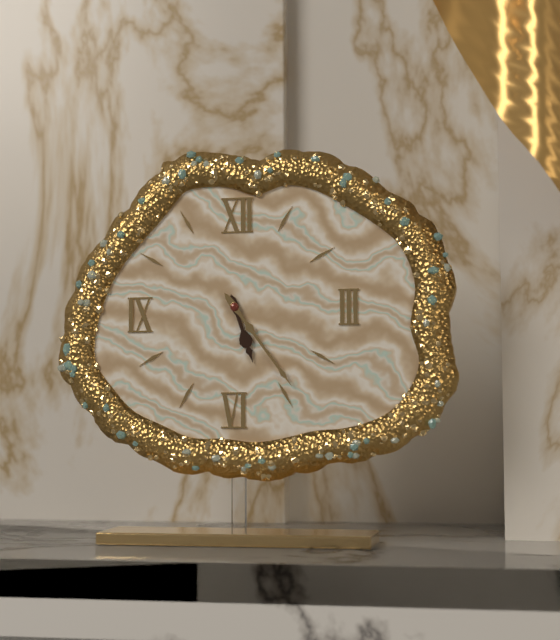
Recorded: 5h24
